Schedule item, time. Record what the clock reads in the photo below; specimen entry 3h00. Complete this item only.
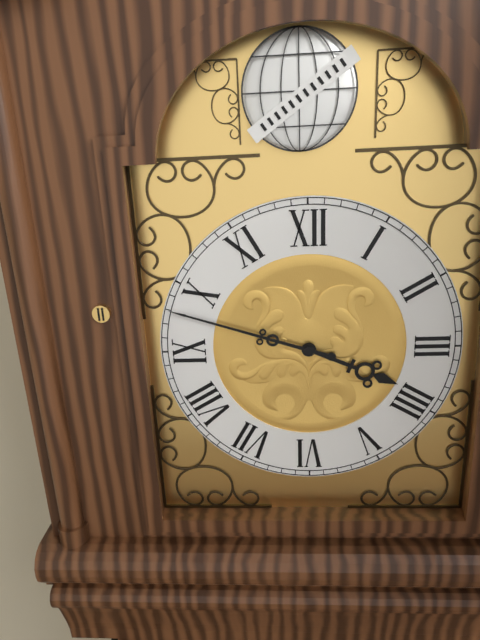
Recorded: 3h48
